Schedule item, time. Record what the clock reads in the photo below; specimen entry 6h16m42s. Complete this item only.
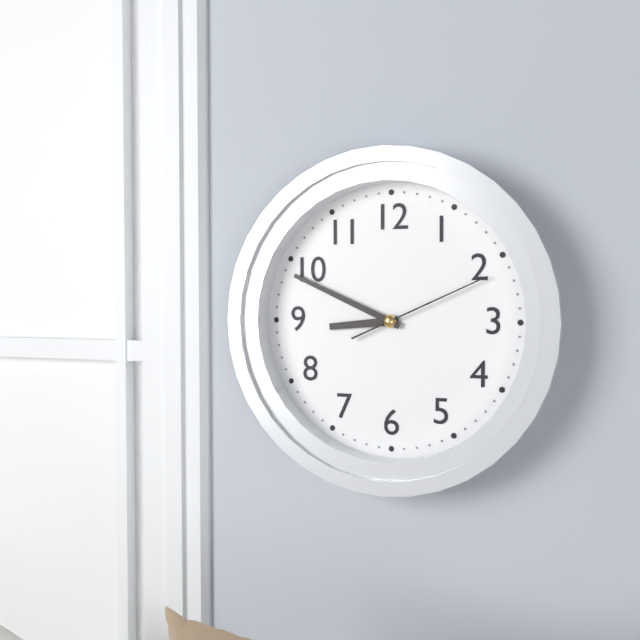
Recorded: 8h49m11s
